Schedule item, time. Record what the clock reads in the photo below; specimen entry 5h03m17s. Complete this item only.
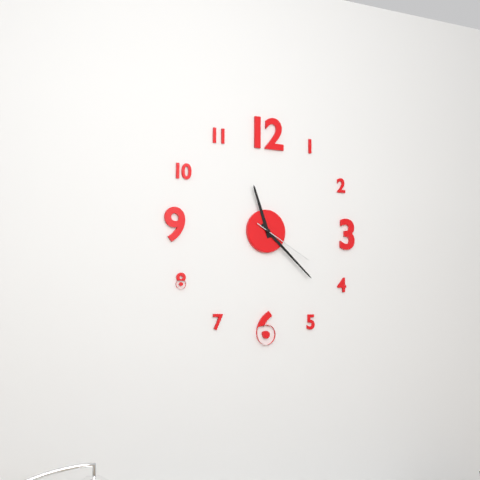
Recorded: 11h22m20s
